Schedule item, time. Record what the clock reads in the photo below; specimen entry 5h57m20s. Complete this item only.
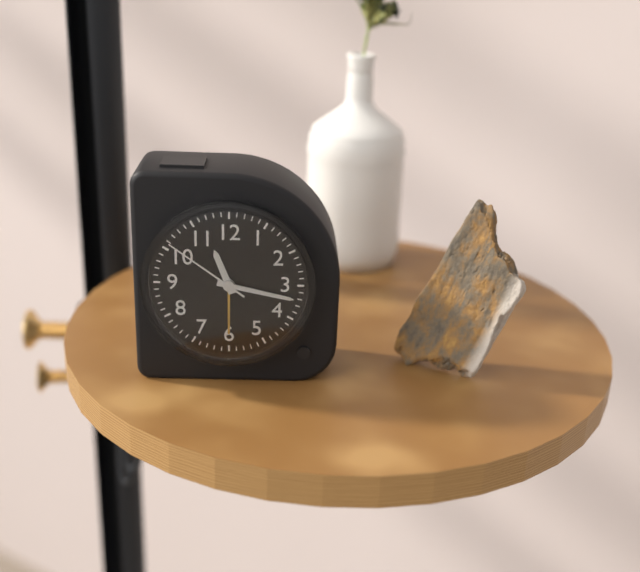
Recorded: 11h17m51s
